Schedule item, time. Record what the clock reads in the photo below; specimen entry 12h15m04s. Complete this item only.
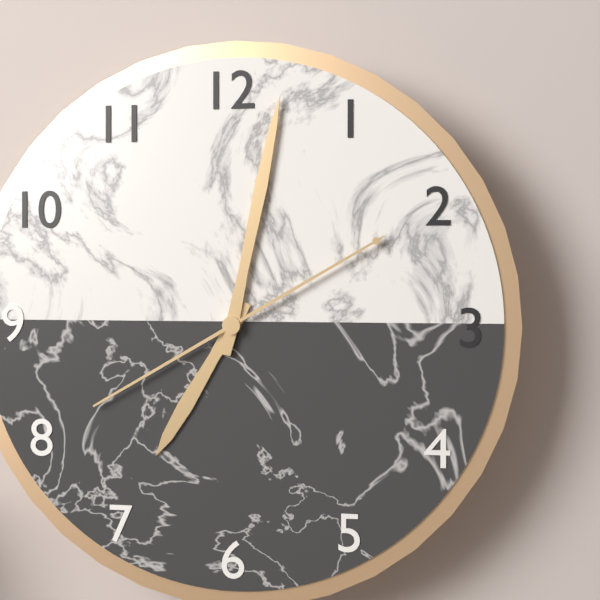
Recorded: 7h02m10s
